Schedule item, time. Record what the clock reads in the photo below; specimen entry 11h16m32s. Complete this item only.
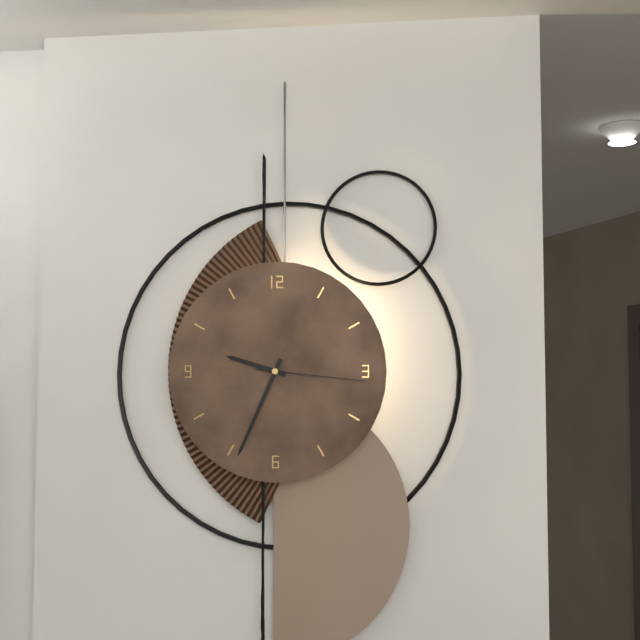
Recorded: 9h34m16s
